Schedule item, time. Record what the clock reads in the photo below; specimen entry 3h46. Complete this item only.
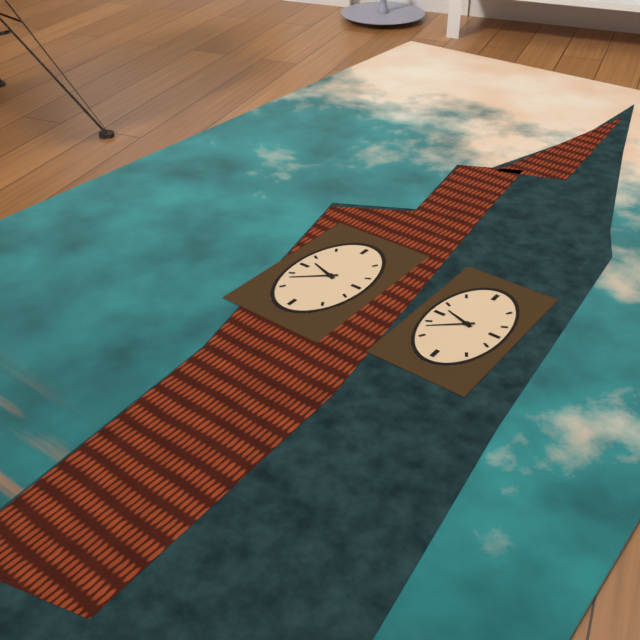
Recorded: 9h38
